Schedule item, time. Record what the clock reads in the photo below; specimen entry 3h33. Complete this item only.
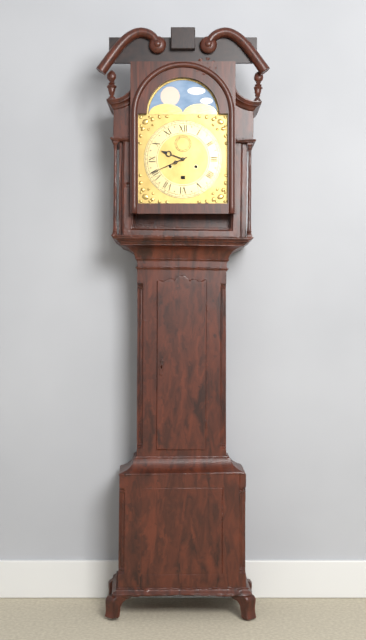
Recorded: 9h41
